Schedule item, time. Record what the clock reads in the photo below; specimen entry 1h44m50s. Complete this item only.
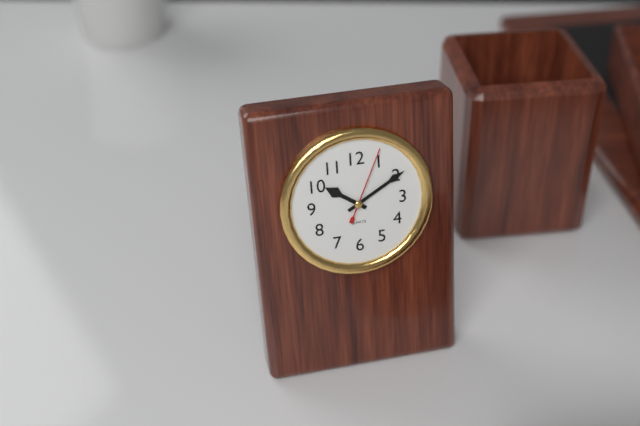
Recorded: 10h10m04s
